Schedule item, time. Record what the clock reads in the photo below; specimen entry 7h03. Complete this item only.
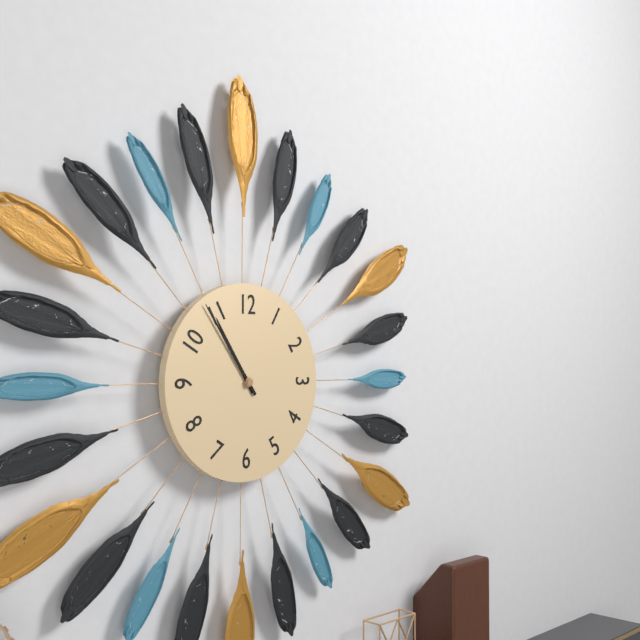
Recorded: 10h54
